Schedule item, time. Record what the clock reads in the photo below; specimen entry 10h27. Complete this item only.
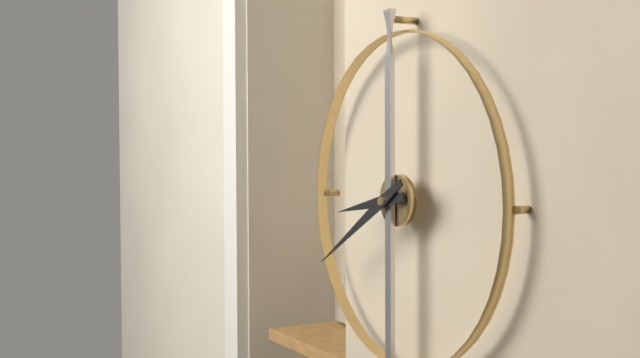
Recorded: 8h40
